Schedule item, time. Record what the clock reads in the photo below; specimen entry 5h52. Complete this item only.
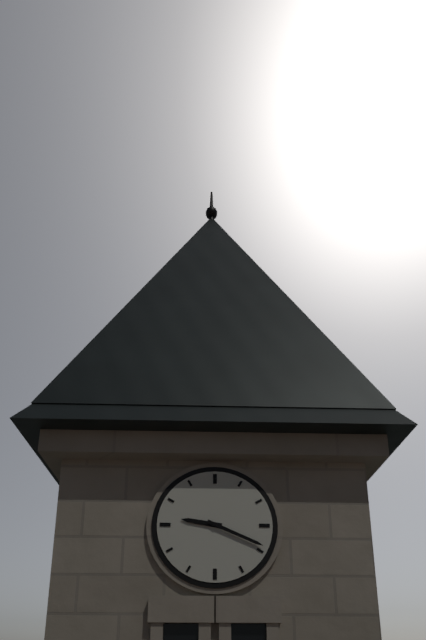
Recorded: 9h19
